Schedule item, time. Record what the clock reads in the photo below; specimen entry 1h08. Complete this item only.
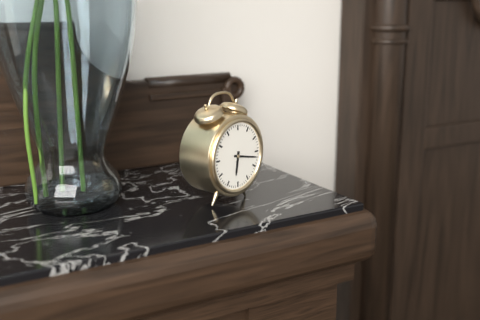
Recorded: 6h17
